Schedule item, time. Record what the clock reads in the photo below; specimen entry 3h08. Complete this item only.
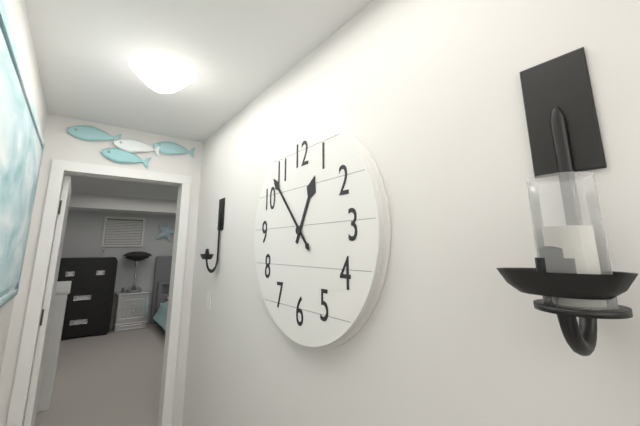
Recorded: 12h53
